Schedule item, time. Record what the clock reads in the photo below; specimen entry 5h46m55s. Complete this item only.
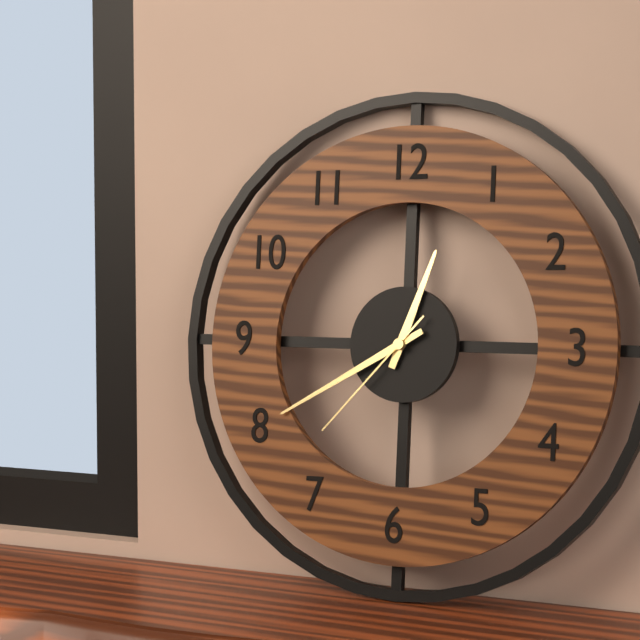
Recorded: 12h40m37s
